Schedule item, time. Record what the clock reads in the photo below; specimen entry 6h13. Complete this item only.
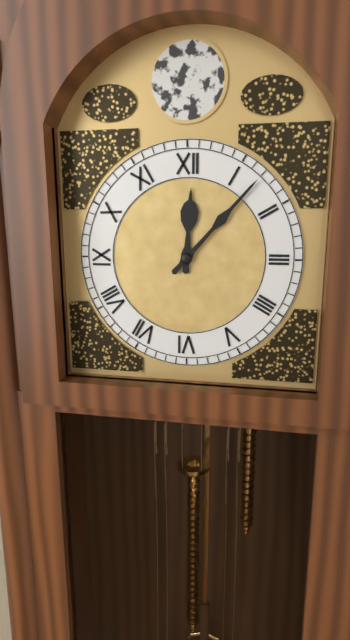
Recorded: 12h07
